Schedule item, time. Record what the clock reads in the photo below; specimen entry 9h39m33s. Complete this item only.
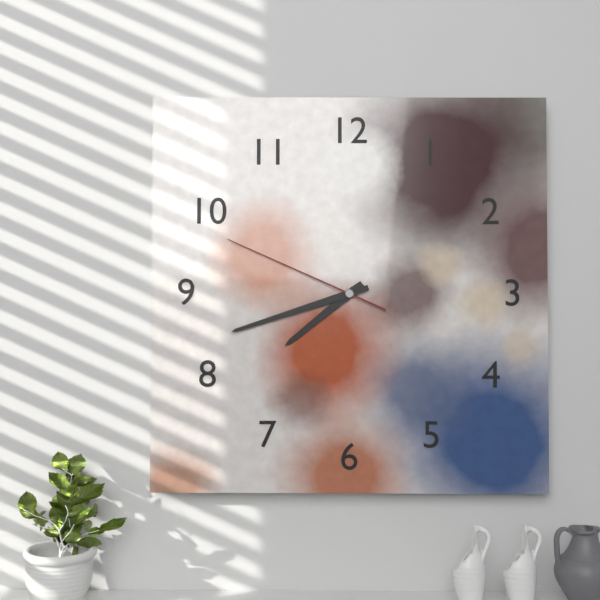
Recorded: 7h42m49s
